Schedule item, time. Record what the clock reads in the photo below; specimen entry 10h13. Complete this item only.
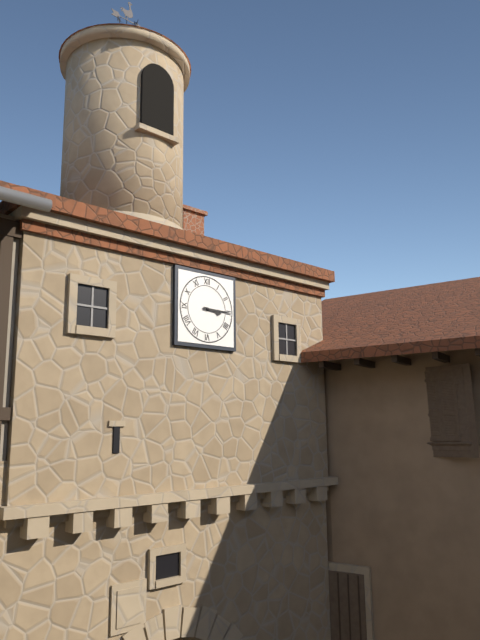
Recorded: 3h15
